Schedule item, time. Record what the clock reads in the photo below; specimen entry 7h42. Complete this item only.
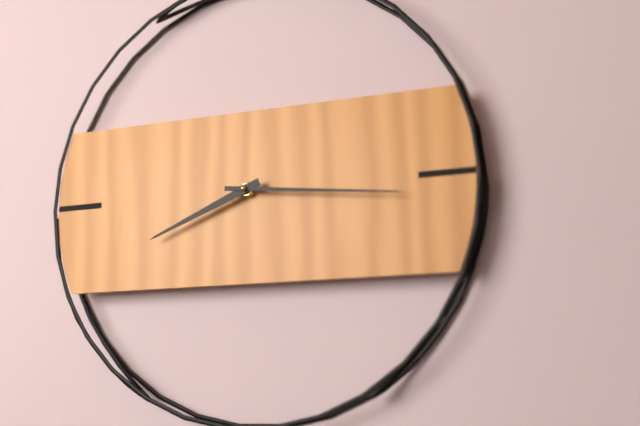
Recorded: 8h16
